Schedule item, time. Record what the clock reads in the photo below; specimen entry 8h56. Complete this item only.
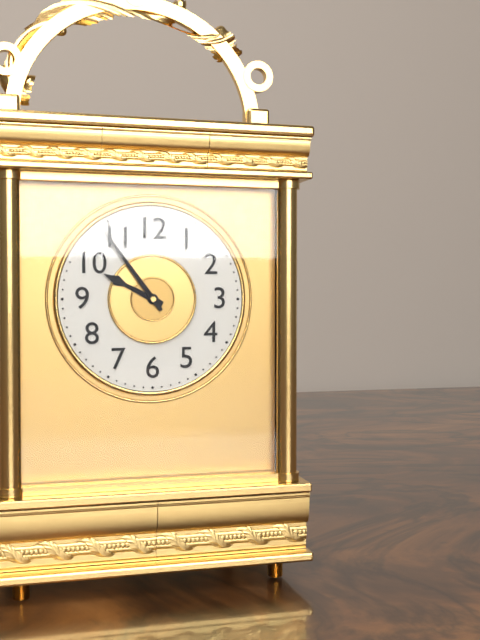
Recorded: 9h54
